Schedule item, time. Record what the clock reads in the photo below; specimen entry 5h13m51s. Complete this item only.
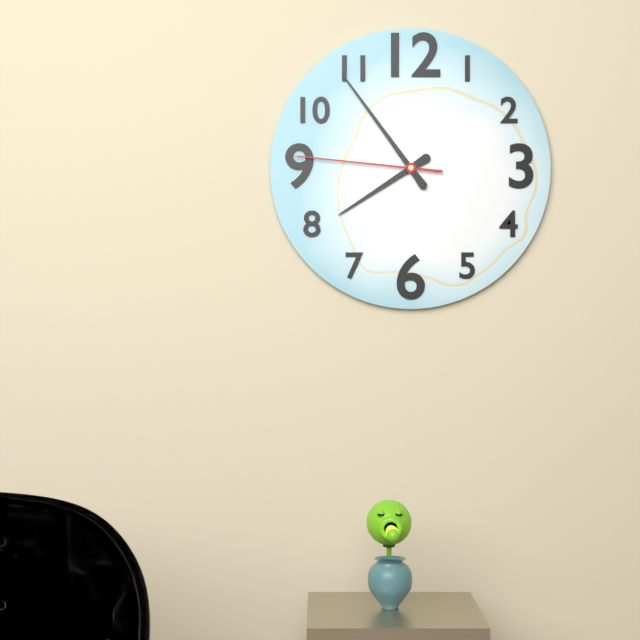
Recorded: 7h54m46s
